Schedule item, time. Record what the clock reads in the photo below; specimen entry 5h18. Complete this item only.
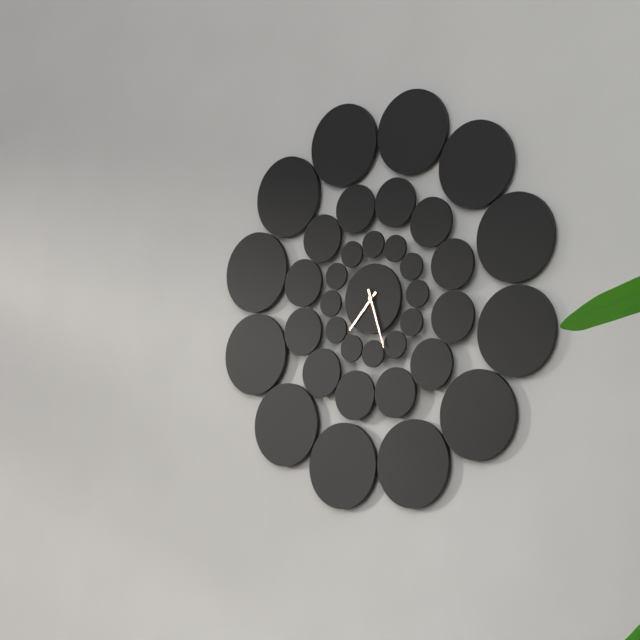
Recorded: 7h27
